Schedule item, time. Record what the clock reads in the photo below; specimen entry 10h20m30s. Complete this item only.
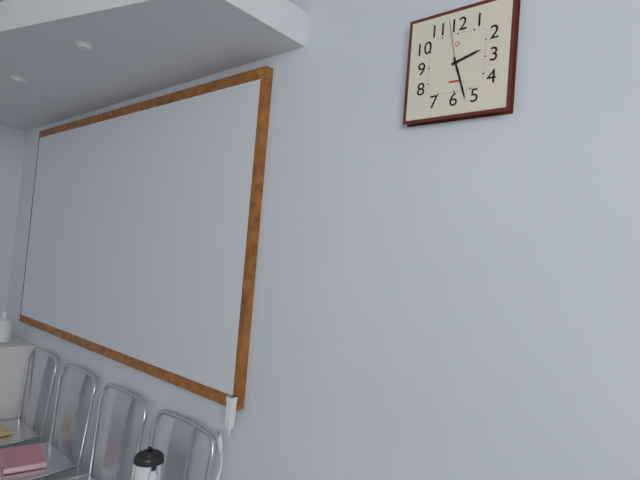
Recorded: 2h27m58s
